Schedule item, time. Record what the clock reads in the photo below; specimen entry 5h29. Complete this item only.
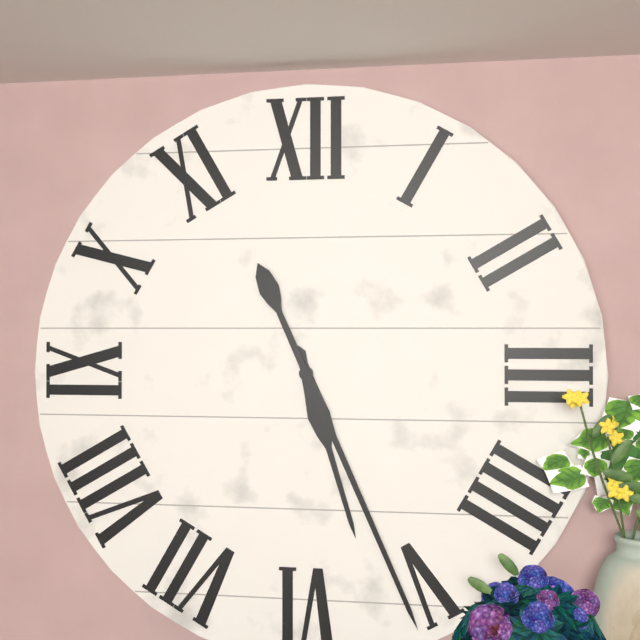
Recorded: 5h26
